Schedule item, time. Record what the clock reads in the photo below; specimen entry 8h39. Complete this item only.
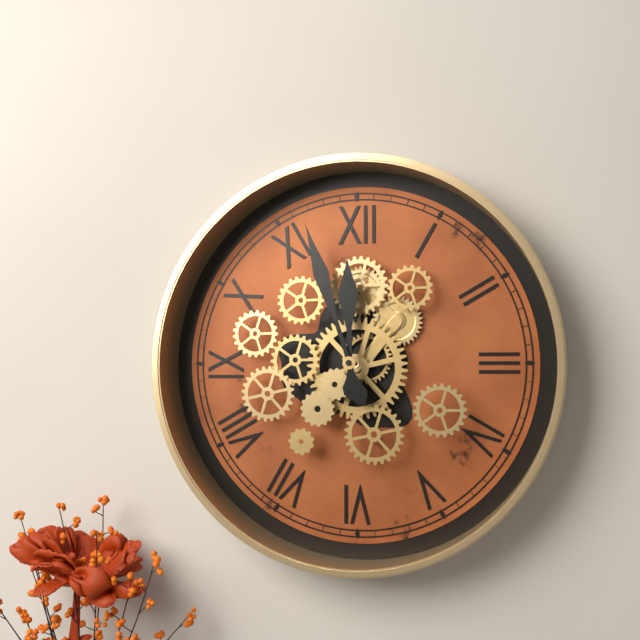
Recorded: 11h57
